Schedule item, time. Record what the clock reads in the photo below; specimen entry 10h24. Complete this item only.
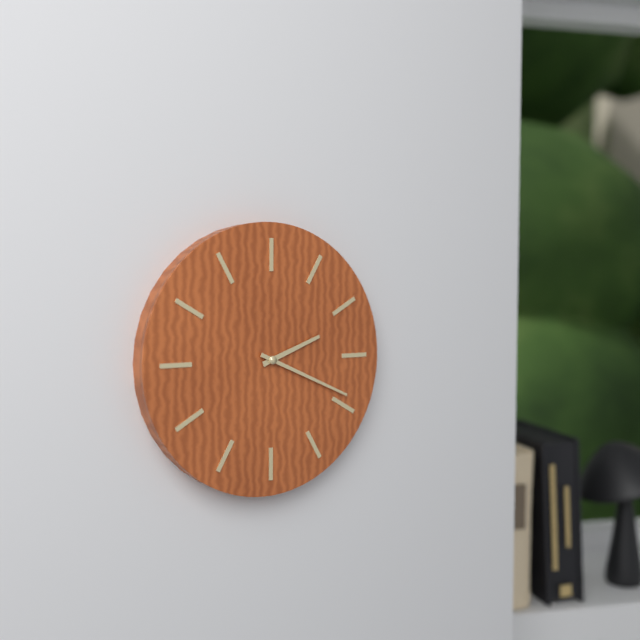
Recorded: 2h19
